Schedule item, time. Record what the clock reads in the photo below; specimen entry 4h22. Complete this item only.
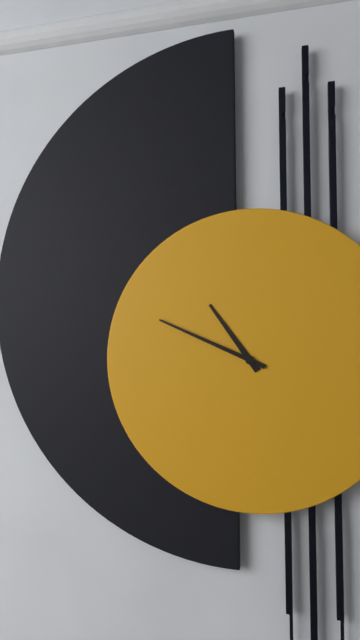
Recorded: 10h49
